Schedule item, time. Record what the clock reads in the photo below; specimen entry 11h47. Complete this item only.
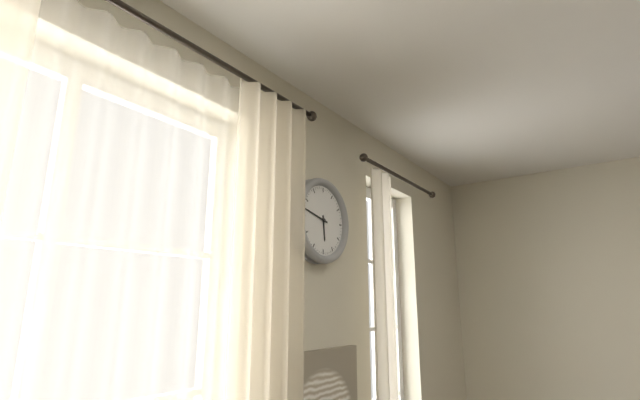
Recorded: 5h47
